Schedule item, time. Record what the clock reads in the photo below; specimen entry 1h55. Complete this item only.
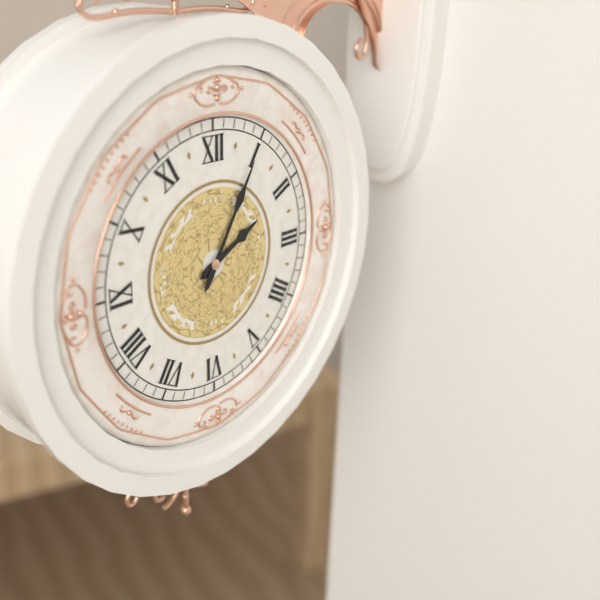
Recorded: 2h05
